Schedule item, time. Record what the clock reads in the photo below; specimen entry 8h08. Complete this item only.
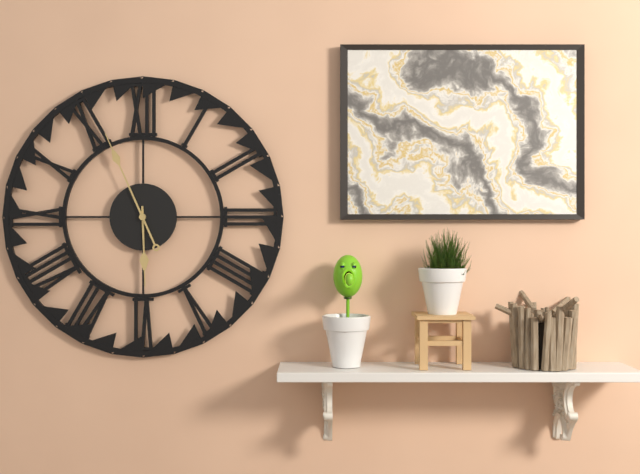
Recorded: 5h56
